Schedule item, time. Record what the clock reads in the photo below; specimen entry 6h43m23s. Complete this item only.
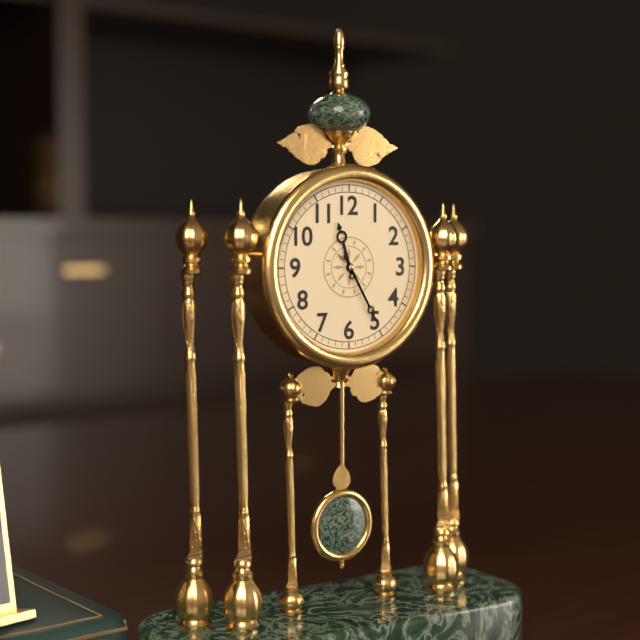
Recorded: 11h25m25s
